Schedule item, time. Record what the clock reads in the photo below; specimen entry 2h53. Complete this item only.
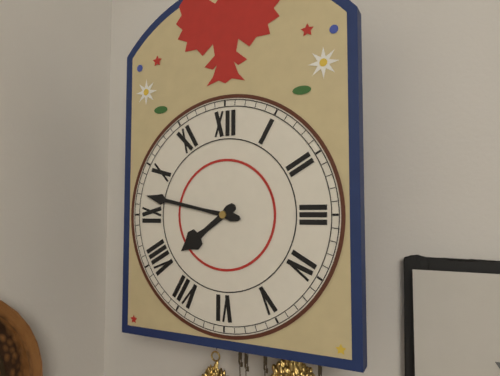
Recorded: 7h47
